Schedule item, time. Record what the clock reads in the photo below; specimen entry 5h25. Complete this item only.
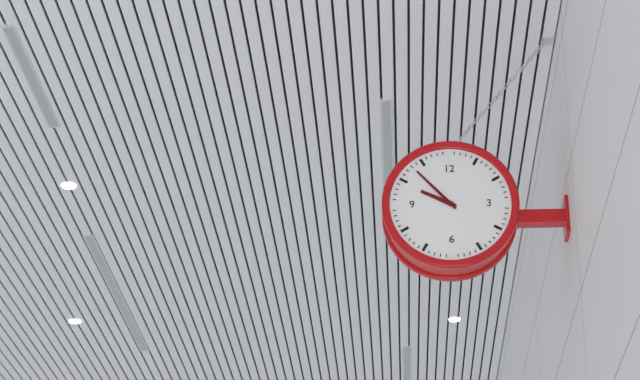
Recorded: 9h53
